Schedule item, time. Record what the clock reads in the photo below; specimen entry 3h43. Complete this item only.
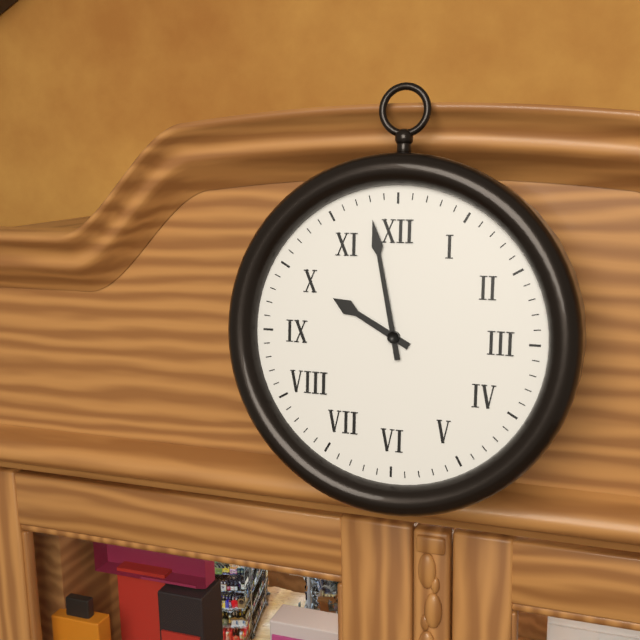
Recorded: 9h58
